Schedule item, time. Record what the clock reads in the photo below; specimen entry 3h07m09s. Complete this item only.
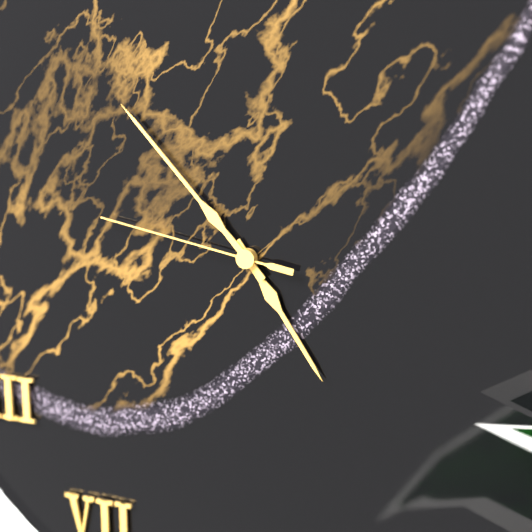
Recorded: 4h53m47s
